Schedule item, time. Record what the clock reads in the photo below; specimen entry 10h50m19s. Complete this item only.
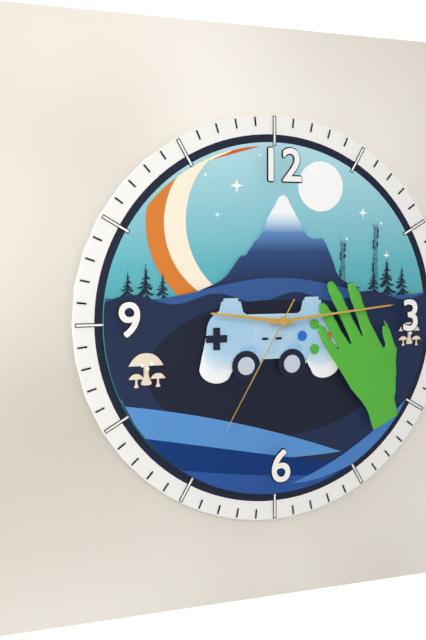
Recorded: 9h14m35s
